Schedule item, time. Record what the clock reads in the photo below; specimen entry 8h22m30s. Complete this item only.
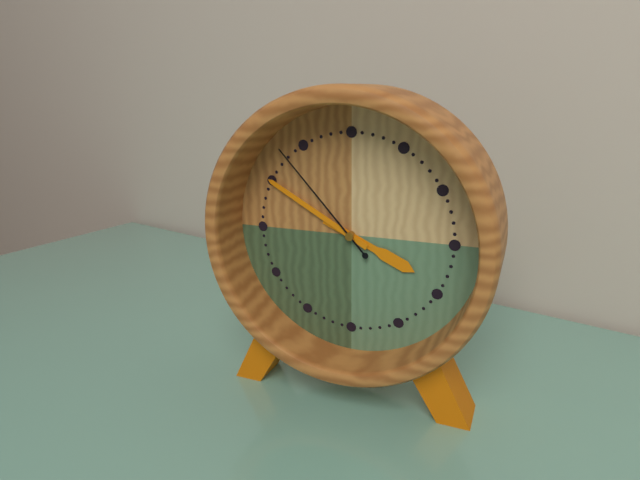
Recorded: 3h50m53s
